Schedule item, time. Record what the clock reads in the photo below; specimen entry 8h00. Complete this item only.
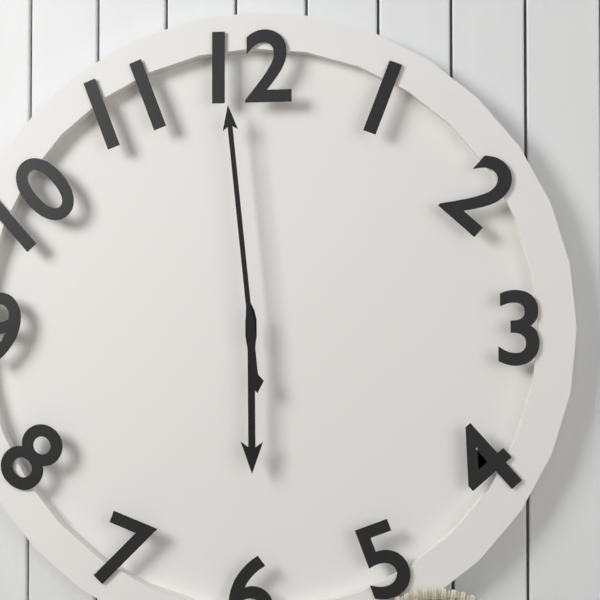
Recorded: 5h59
